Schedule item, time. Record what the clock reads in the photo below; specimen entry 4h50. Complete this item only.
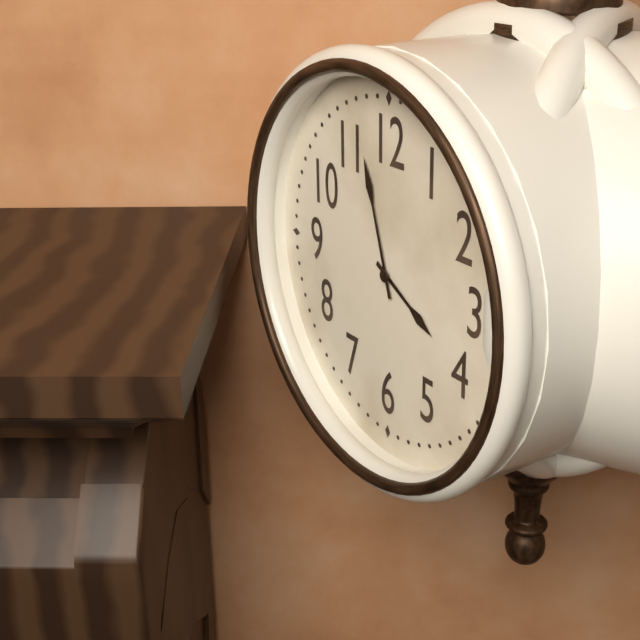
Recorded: 3h57
